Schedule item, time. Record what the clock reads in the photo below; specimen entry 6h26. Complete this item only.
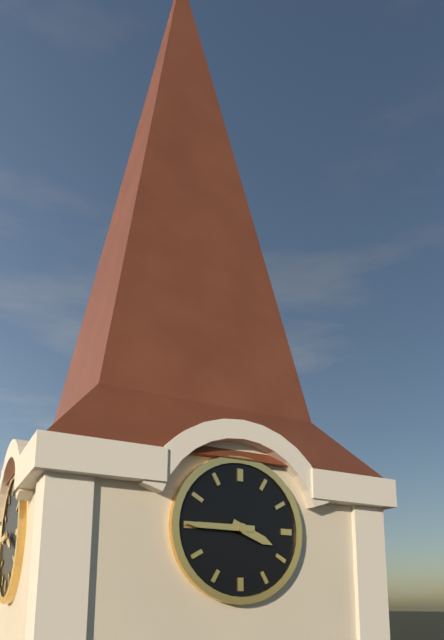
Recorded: 3h45
